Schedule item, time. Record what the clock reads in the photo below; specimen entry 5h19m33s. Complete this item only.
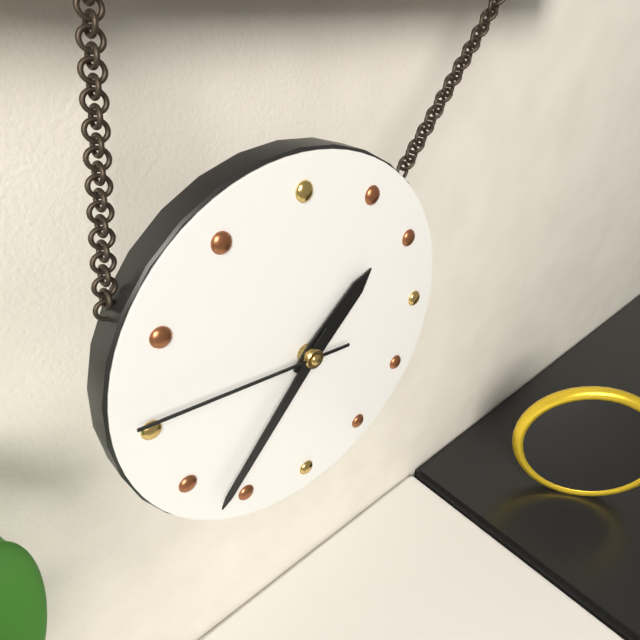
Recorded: 1h37m46s
